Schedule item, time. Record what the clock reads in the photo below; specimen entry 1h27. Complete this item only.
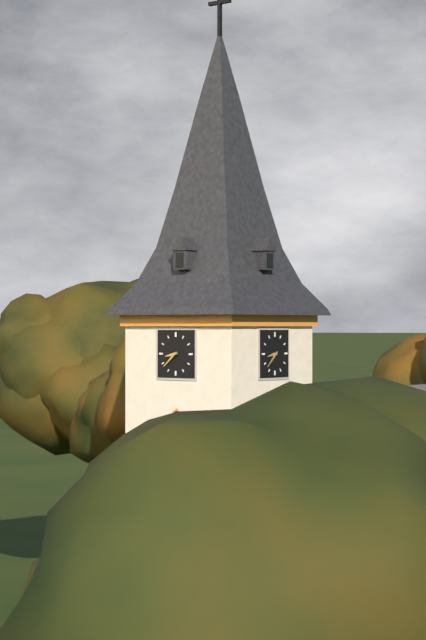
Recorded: 8h38
